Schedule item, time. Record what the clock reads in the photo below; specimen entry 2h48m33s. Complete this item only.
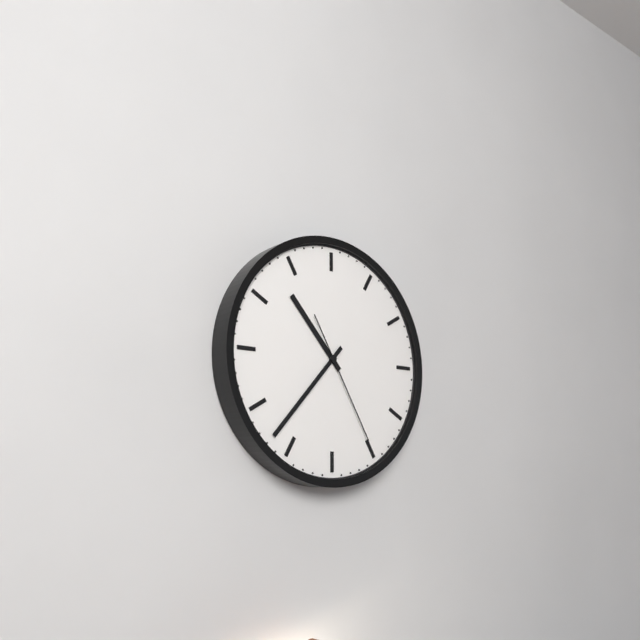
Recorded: 10h37m25s
